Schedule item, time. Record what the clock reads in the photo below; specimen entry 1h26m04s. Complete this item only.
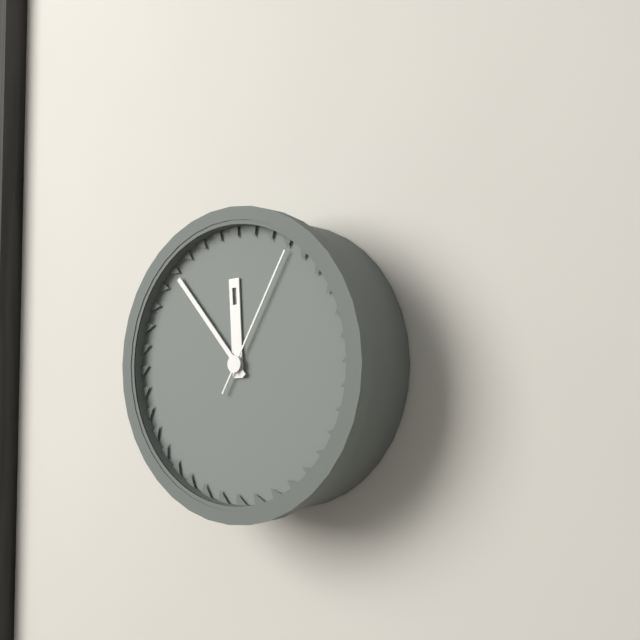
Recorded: 11h53m05s
